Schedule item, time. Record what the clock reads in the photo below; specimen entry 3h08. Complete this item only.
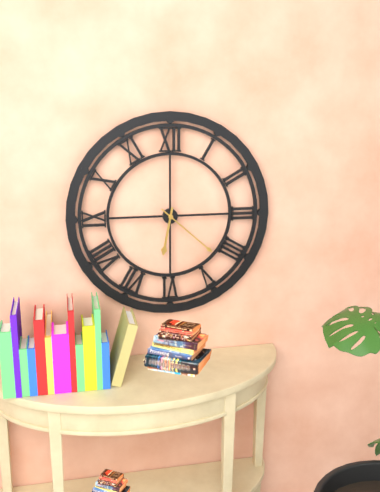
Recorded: 6h22
